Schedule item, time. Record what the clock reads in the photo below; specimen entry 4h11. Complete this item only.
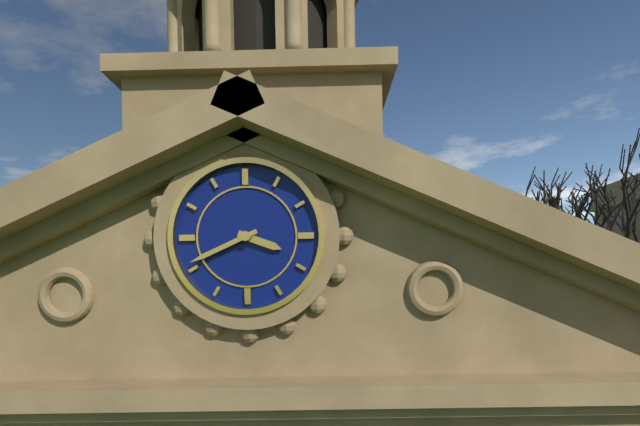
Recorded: 3h41
